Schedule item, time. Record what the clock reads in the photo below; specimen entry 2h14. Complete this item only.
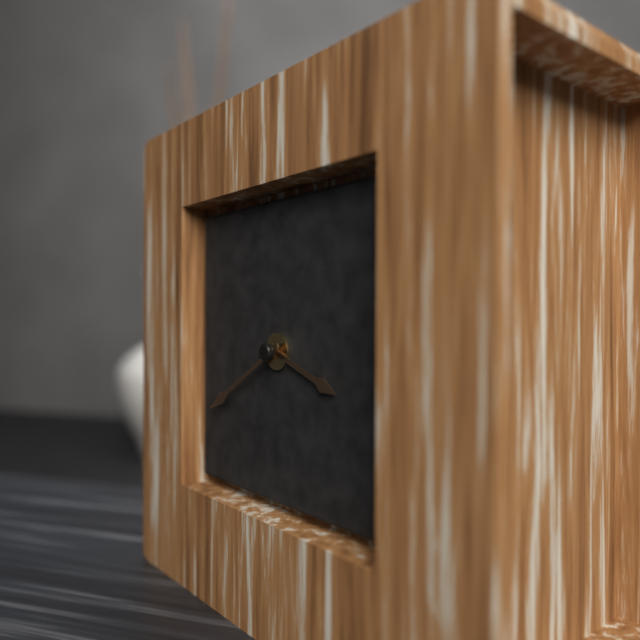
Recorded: 3h40
